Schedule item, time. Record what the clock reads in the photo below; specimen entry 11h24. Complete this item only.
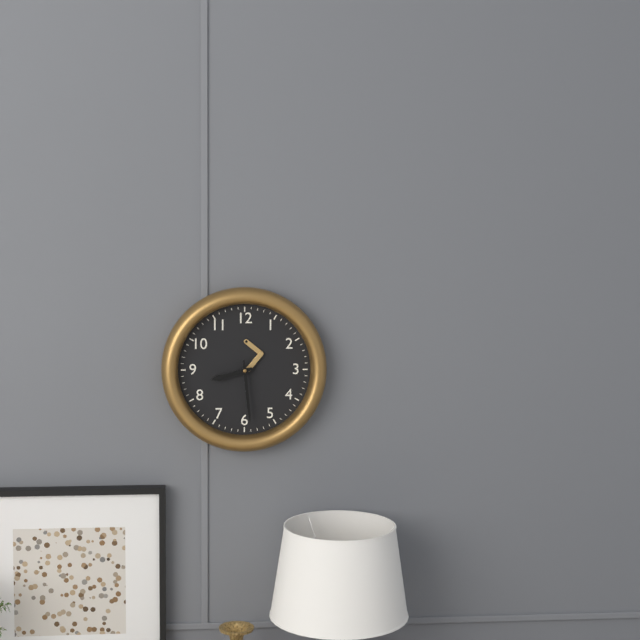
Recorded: 8h29
